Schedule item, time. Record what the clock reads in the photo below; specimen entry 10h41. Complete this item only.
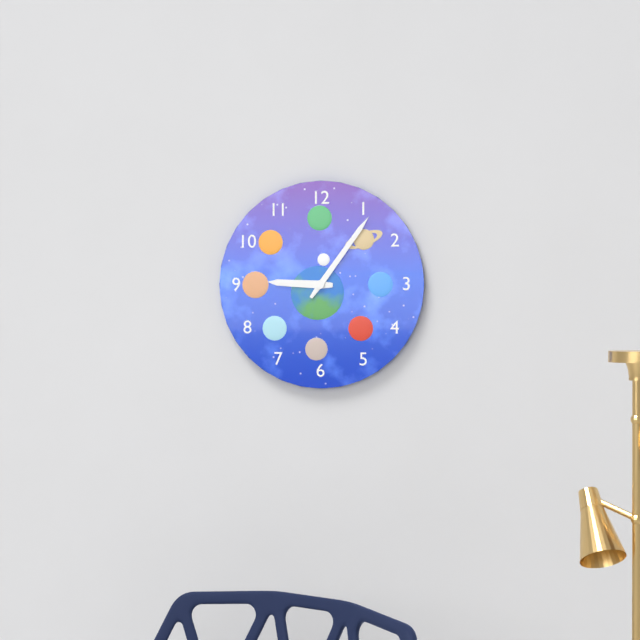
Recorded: 9h06
